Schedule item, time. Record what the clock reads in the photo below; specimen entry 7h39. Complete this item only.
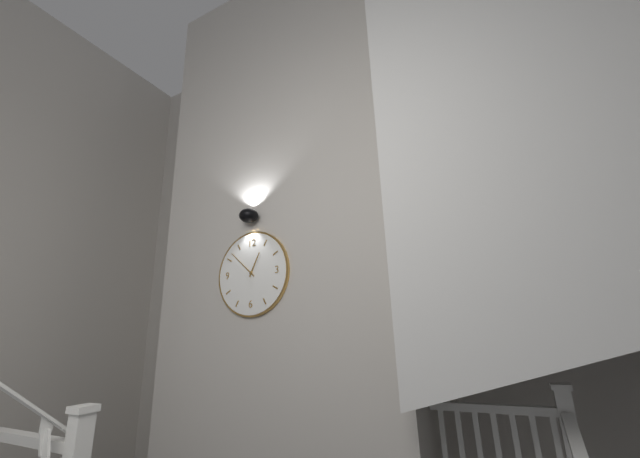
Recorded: 12h52
